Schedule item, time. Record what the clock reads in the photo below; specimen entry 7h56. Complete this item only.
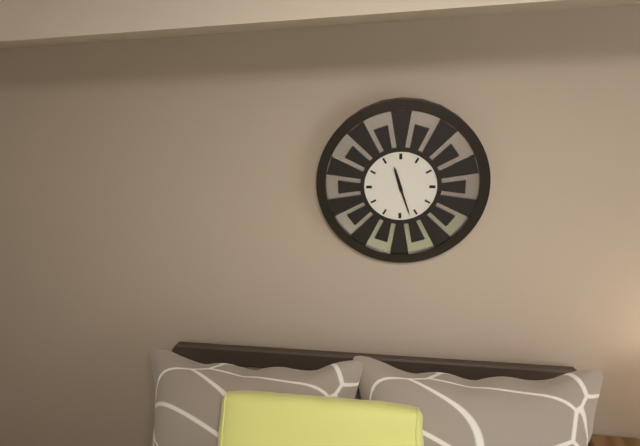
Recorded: 11h27
